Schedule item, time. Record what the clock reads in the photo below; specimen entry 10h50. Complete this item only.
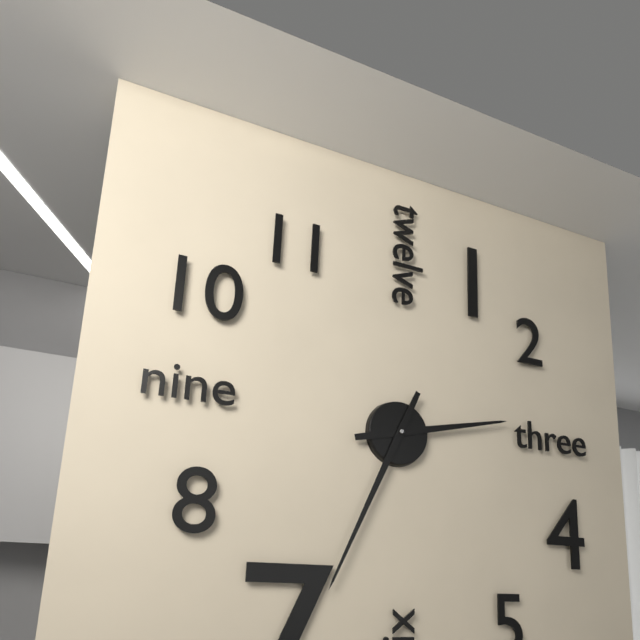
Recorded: 2h34
